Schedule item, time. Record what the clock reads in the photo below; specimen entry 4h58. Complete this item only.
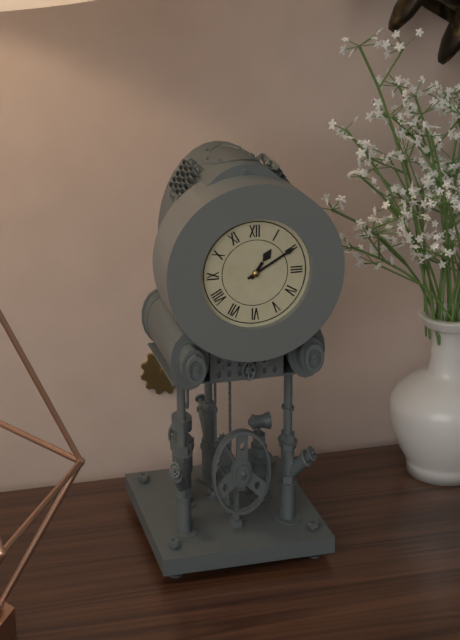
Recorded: 1h10
